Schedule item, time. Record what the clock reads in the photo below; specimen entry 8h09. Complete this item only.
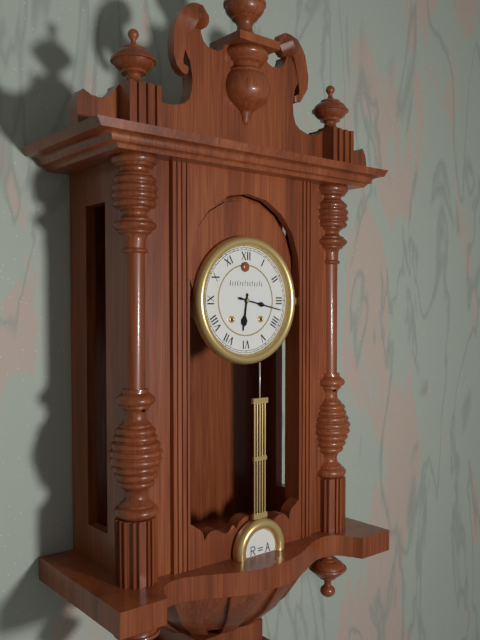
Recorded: 6h17
